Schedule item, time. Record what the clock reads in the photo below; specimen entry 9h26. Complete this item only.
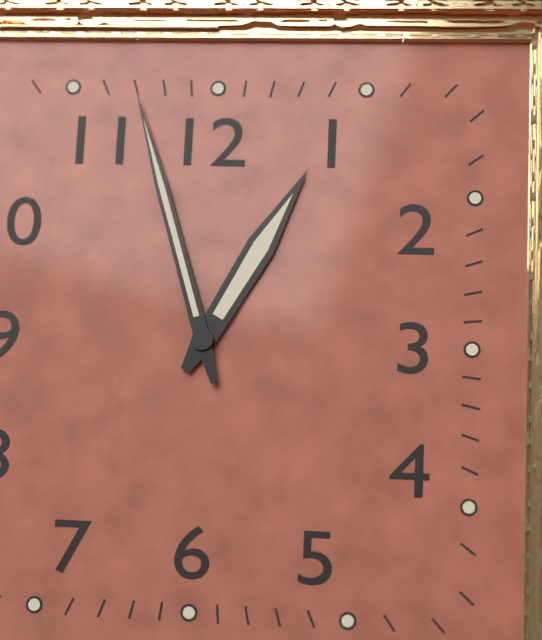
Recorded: 12h57
